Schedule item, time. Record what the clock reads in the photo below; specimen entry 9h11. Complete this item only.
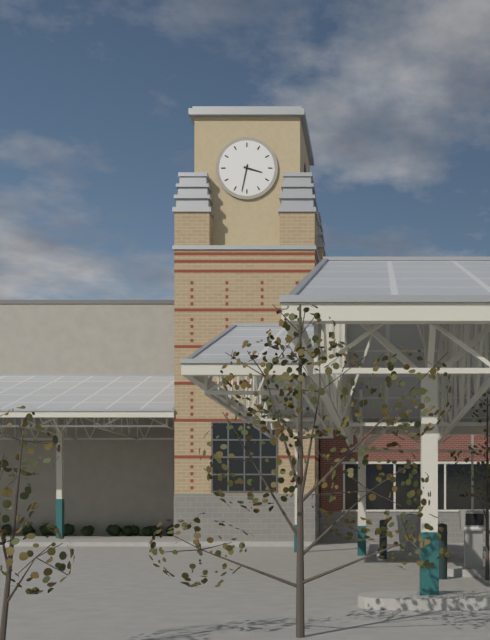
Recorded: 3h32
